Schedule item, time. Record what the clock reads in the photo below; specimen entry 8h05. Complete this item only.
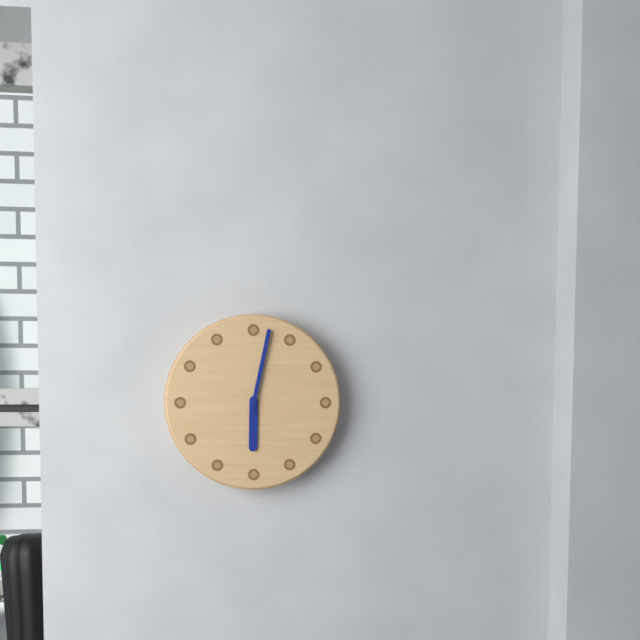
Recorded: 6h02
